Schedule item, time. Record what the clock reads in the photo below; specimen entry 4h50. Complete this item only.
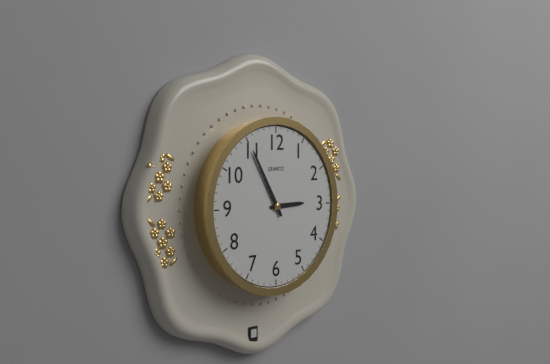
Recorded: 2h55
